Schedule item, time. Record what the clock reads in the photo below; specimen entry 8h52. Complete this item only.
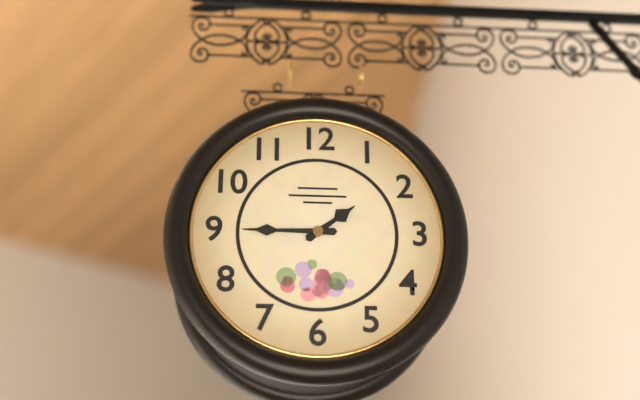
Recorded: 1h45
